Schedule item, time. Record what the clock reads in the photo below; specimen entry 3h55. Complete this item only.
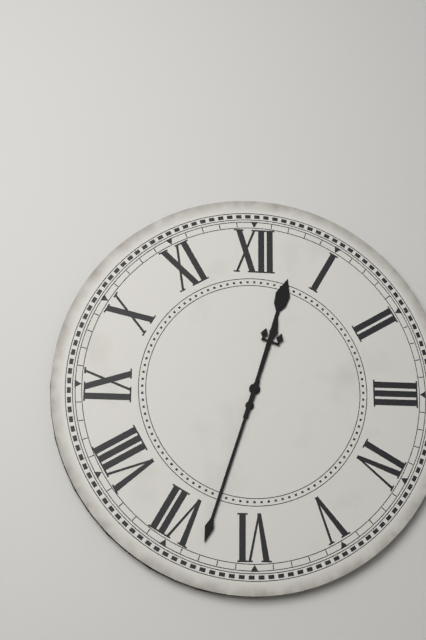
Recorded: 12h33
